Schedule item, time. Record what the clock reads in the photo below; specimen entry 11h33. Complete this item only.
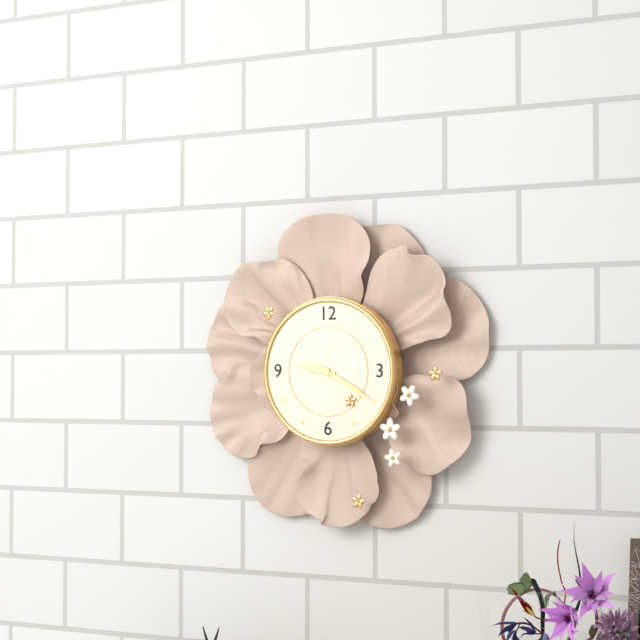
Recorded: 9h20
